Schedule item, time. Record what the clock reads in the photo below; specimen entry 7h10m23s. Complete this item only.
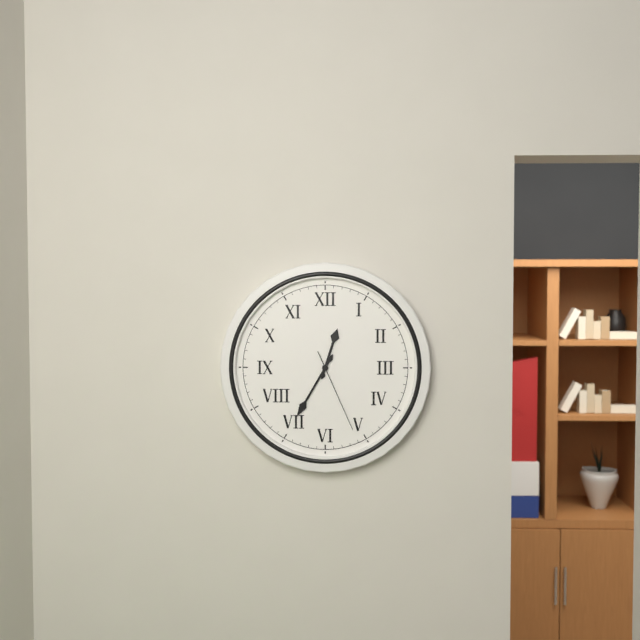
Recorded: 12h35m26s
